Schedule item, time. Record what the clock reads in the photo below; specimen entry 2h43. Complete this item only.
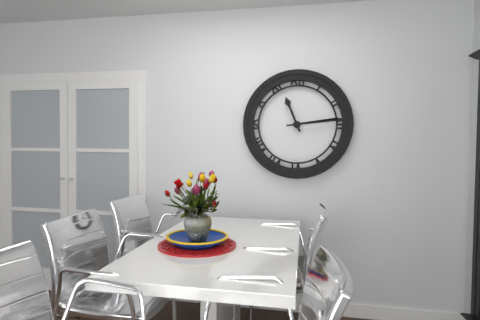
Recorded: 11h14
